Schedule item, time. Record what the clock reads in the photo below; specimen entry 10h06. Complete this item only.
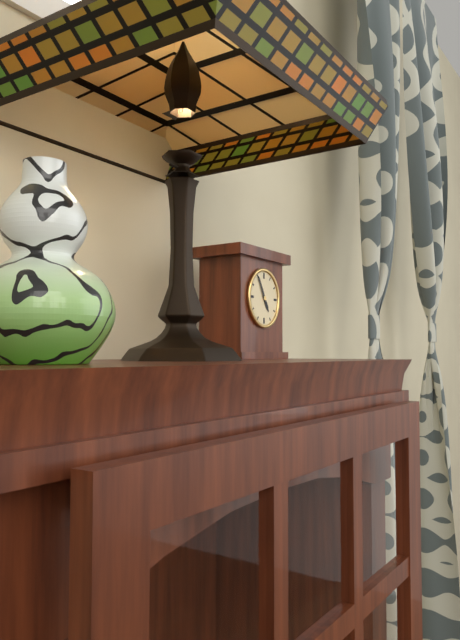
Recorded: 4h55
